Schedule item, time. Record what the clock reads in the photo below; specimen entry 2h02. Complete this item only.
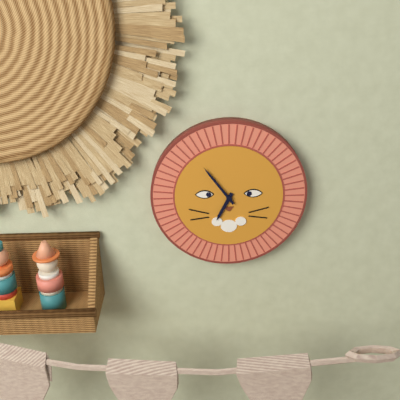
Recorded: 6h54
